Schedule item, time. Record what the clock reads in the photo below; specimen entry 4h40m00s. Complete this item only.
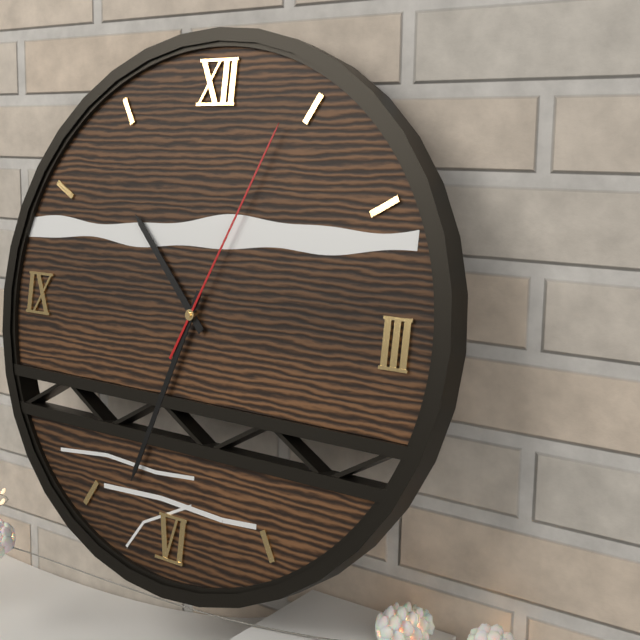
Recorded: 10h33m04s
